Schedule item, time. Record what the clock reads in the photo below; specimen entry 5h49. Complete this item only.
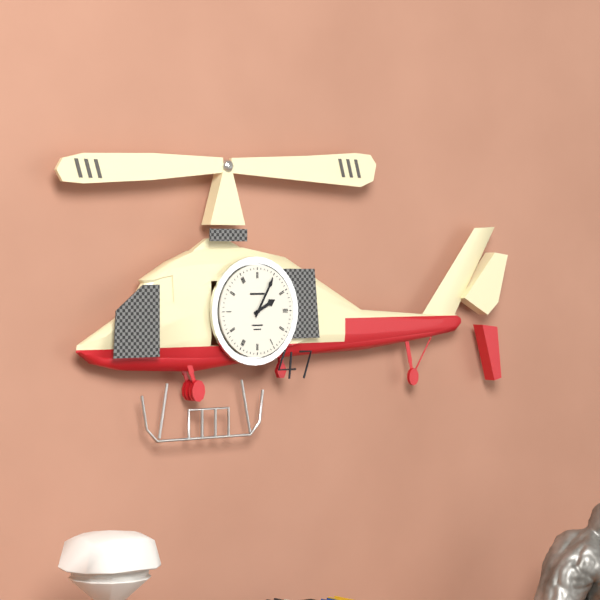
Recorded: 2h05
